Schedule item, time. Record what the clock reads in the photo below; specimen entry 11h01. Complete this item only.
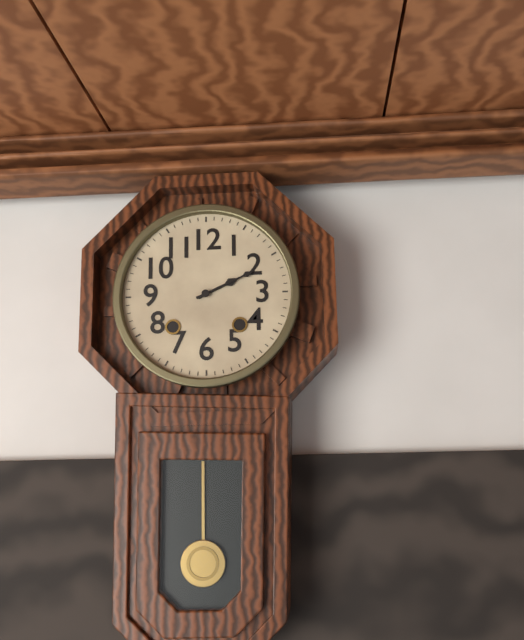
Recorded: 2h11
